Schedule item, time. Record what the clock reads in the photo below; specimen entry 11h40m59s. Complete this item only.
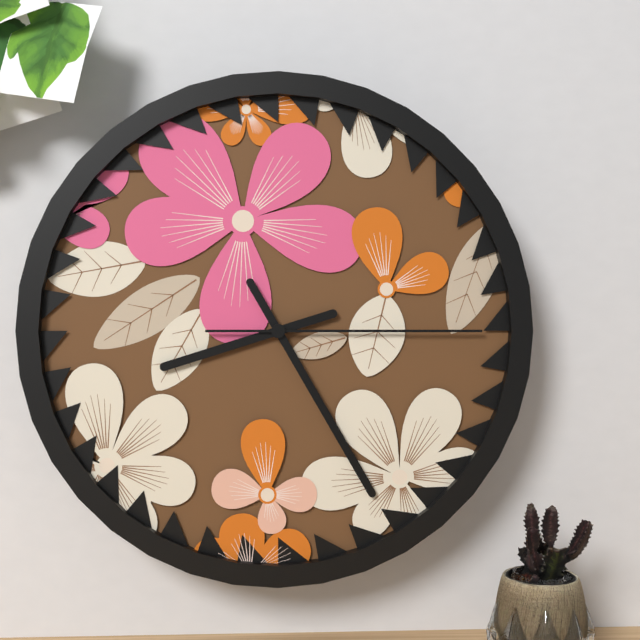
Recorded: 8h25m15s
